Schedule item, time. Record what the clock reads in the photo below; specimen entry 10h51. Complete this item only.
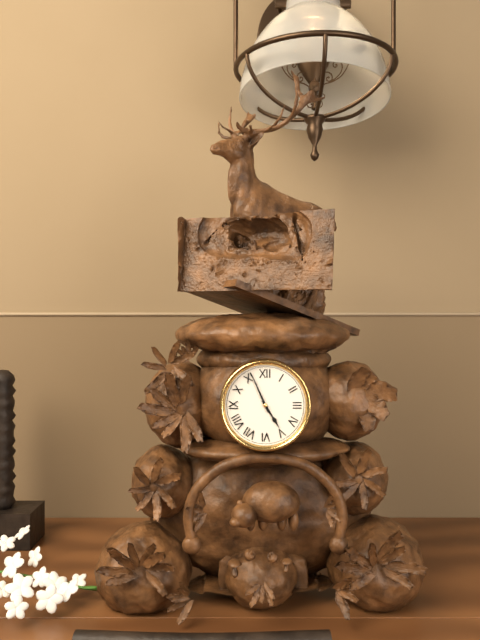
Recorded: 4h56
